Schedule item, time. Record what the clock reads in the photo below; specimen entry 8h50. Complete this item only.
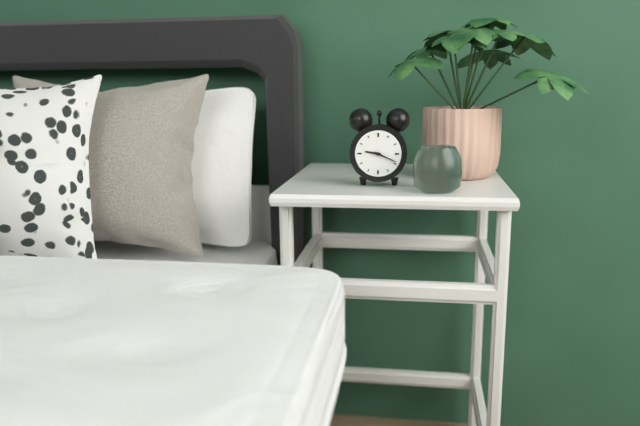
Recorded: 9h19
